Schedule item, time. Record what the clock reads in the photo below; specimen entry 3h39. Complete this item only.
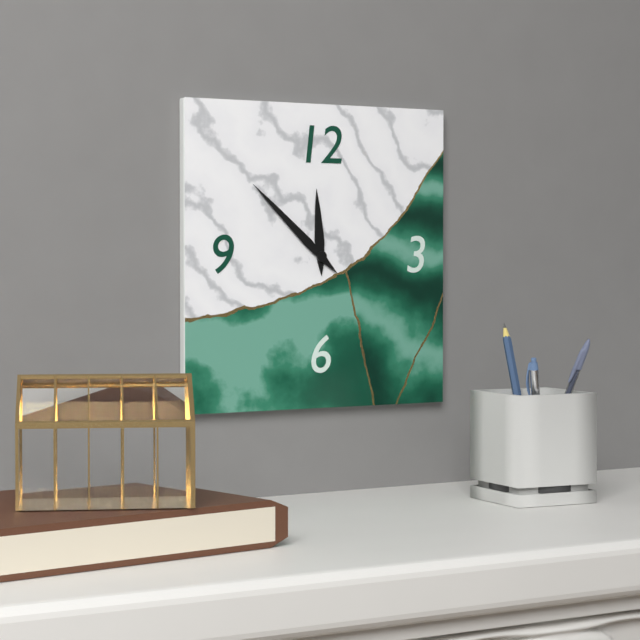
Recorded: 11h52
